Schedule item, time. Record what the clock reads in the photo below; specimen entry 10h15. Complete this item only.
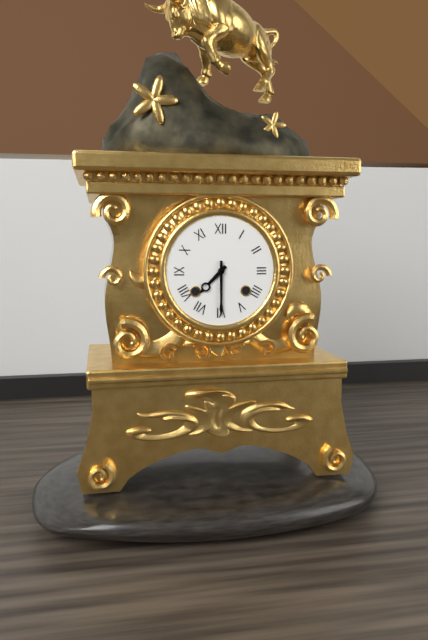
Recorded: 7h30
